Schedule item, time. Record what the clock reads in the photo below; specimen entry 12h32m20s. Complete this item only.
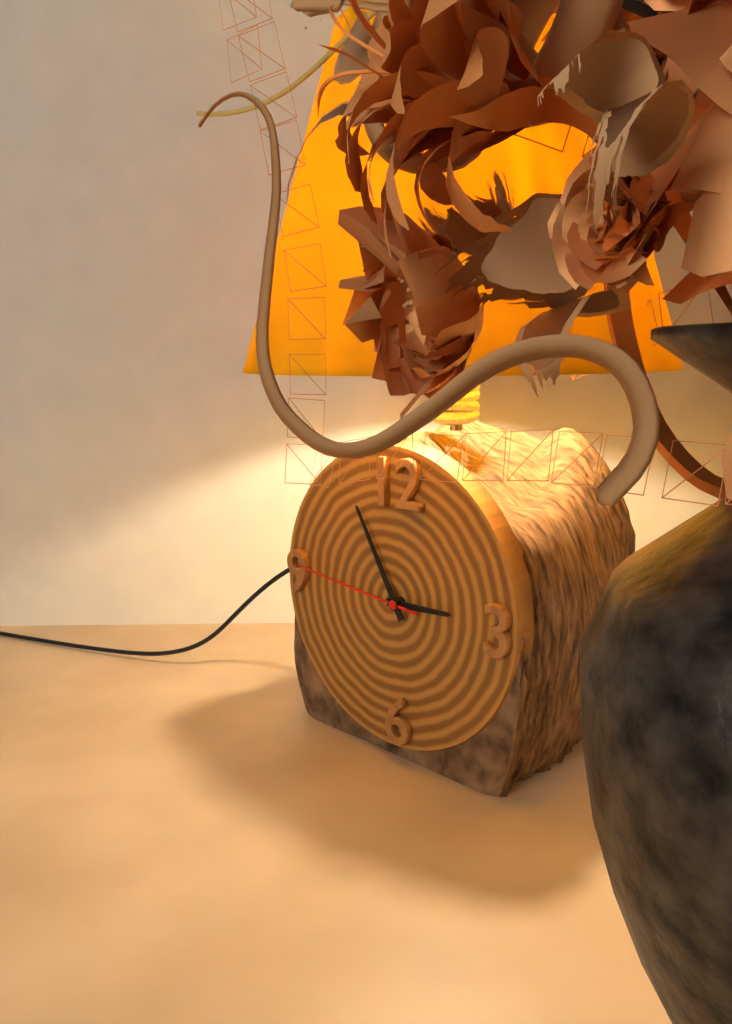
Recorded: 2h55m46s
